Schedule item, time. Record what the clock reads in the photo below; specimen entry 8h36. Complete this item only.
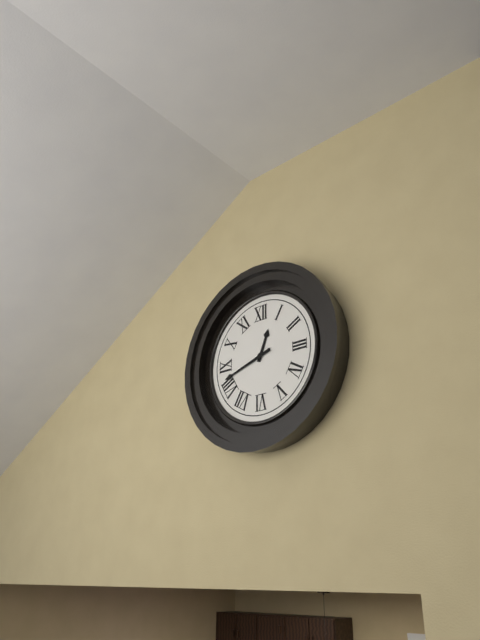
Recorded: 12h42
